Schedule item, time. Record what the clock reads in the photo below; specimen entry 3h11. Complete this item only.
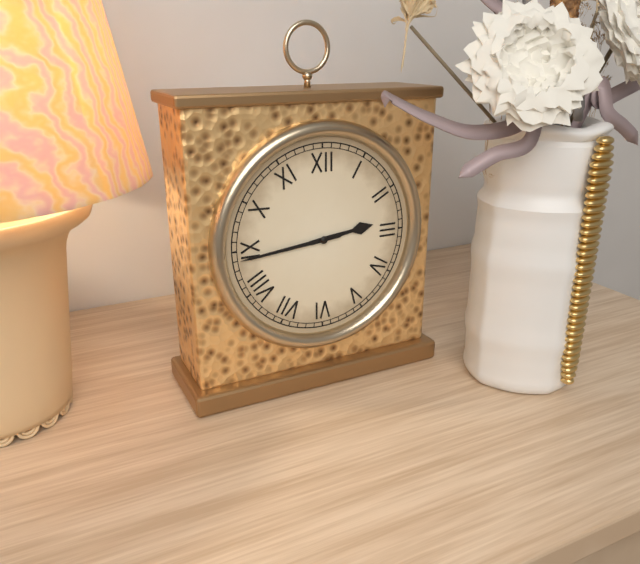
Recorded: 2h44
